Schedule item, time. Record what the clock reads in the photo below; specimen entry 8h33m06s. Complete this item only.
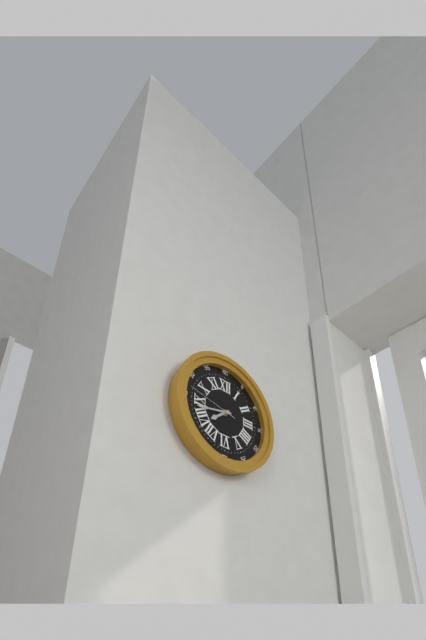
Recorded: 7h43m47s
